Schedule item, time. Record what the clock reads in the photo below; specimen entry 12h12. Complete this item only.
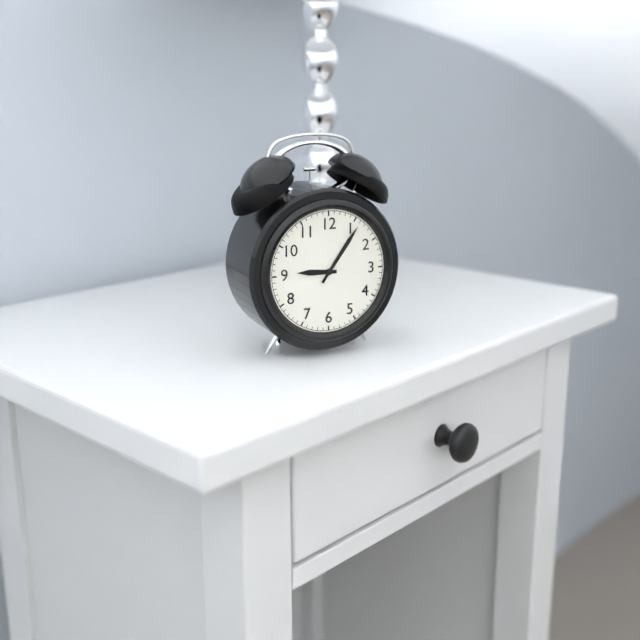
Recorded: 9h06
